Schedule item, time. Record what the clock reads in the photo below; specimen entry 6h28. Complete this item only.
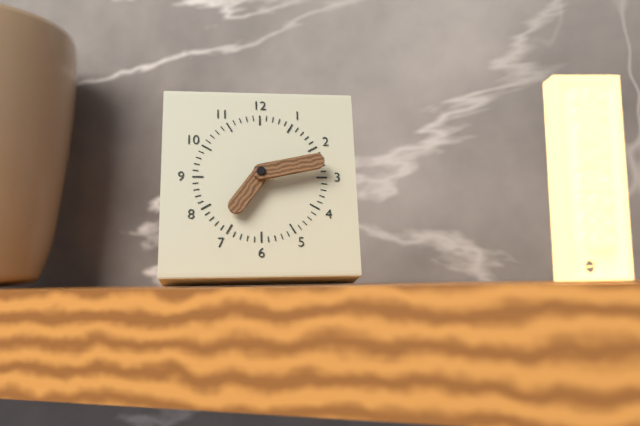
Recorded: 7h13
